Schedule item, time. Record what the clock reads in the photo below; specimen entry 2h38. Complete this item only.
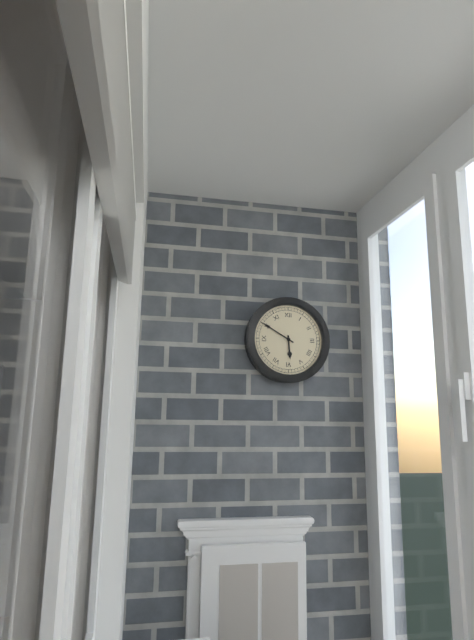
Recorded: 5h50
